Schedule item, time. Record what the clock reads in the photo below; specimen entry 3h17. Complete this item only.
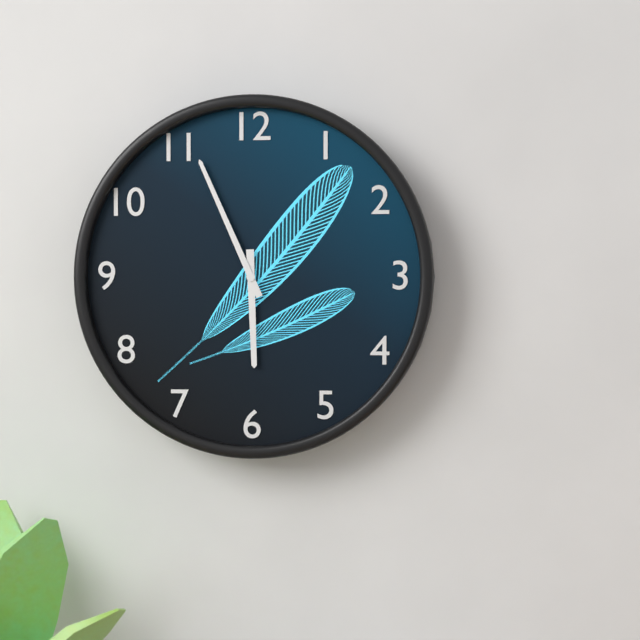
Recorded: 5h56
